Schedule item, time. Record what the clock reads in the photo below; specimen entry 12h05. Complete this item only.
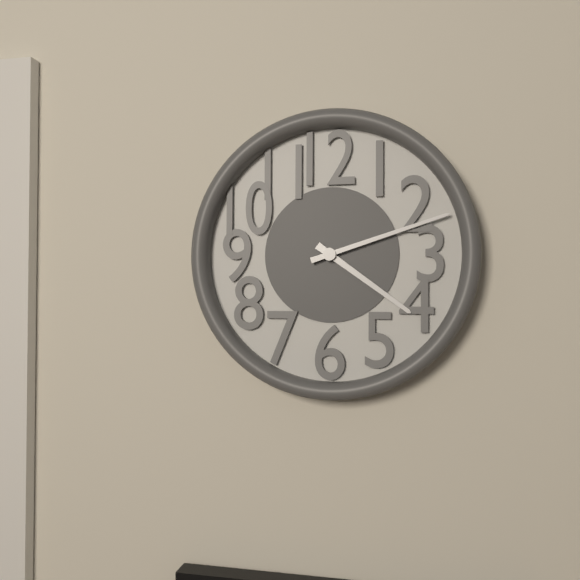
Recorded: 4h12
